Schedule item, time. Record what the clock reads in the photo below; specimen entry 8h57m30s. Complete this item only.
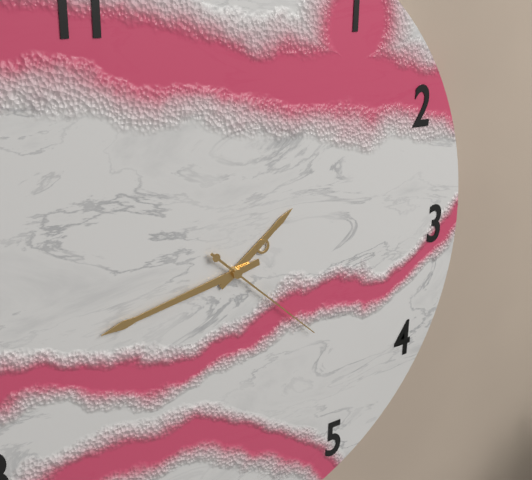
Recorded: 1h43m22s
